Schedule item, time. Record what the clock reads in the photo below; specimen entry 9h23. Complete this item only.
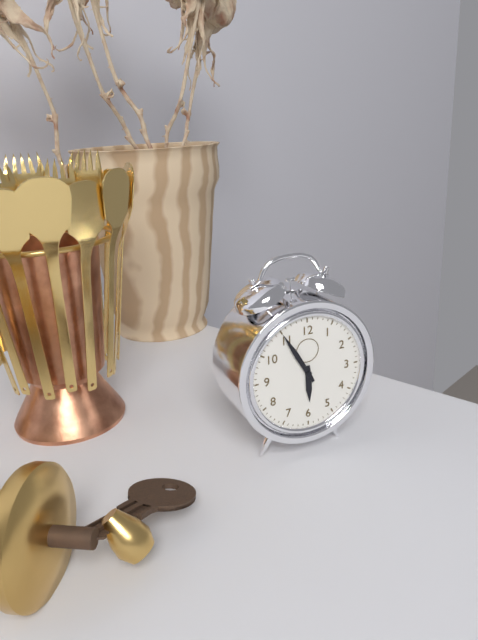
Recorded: 5h55
